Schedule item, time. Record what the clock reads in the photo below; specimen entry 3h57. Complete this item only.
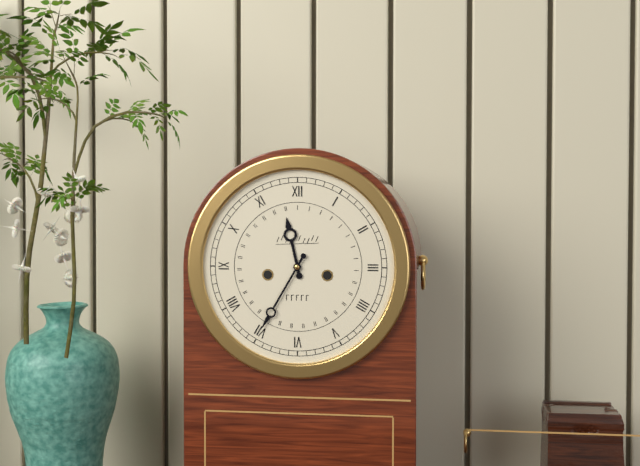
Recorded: 11h35
